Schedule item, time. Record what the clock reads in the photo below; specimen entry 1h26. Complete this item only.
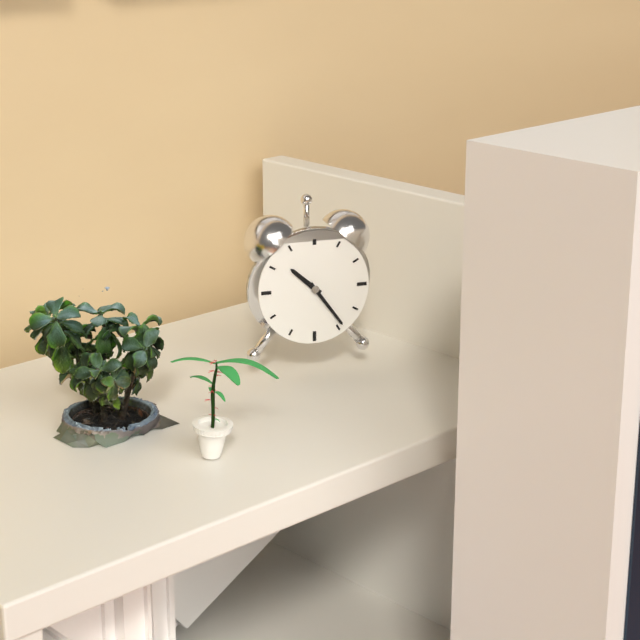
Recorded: 10h24
